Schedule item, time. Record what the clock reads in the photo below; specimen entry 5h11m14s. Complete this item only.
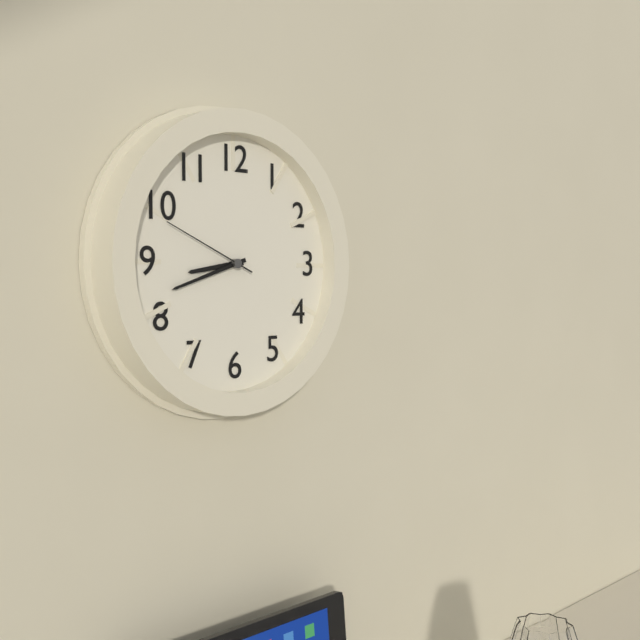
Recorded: 8h42m49s
